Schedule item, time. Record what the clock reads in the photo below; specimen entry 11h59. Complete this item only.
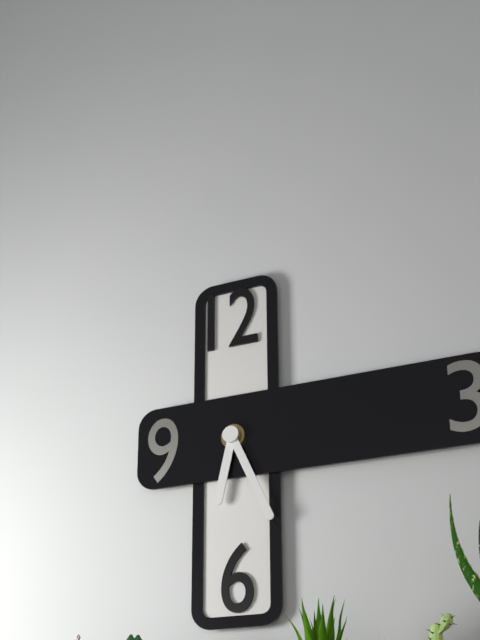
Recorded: 6h26
